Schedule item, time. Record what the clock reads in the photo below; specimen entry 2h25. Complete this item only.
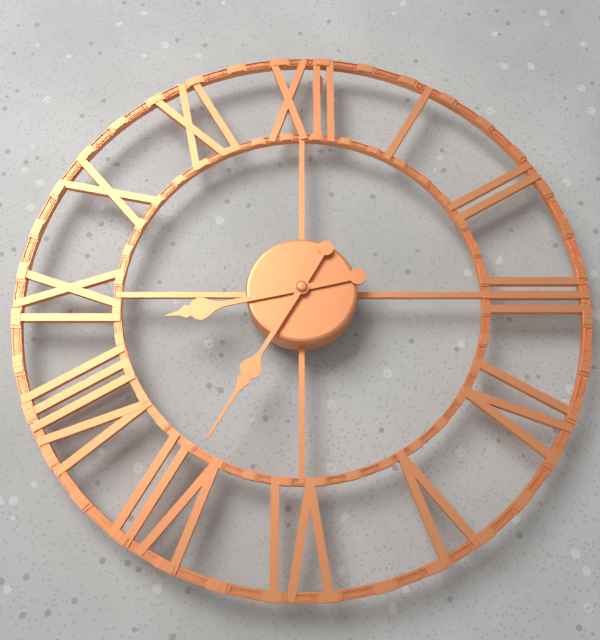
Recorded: 8h35
